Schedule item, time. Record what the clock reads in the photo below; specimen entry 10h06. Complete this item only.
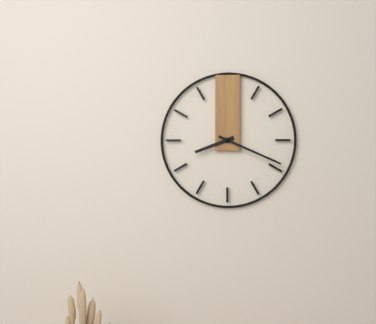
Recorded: 8h19
